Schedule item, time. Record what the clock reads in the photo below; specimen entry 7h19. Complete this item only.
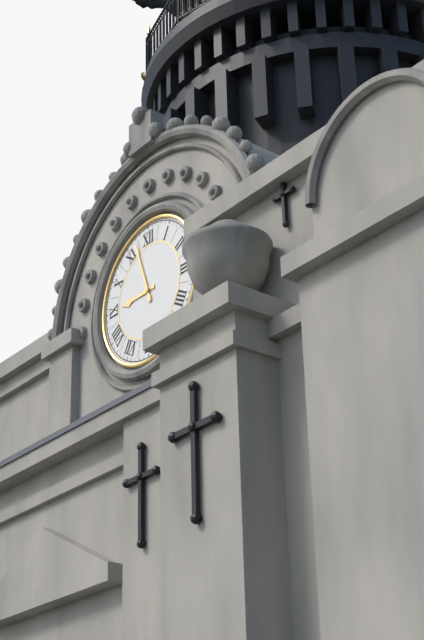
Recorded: 8h57
